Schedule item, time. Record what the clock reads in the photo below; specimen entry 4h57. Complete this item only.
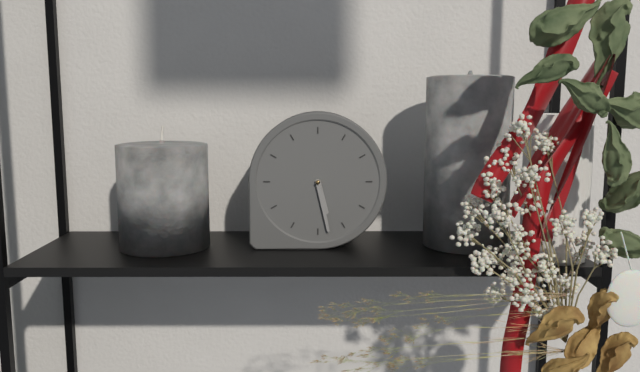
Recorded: 5h28
